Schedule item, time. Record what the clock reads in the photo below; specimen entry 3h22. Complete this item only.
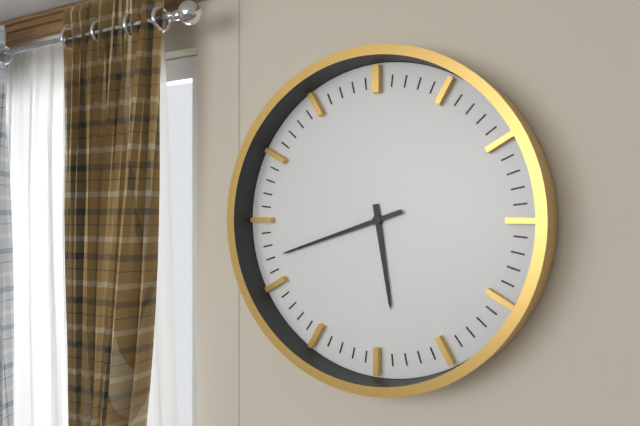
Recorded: 5h42
